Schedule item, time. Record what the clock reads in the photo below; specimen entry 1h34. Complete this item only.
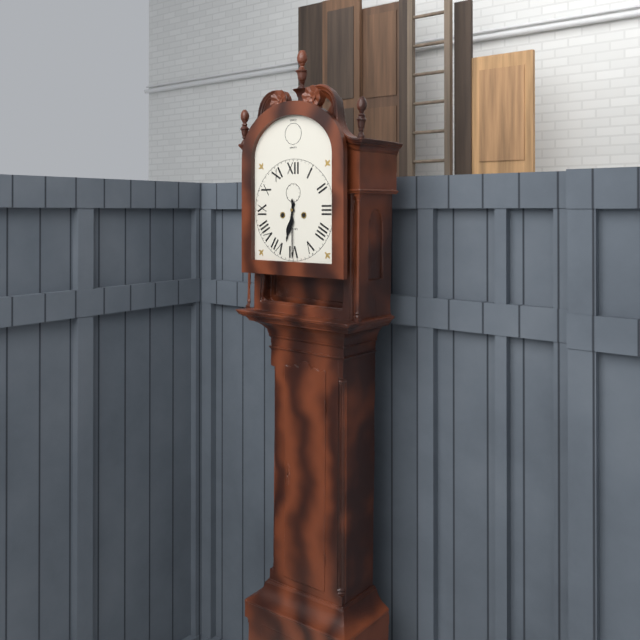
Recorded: 6h30
